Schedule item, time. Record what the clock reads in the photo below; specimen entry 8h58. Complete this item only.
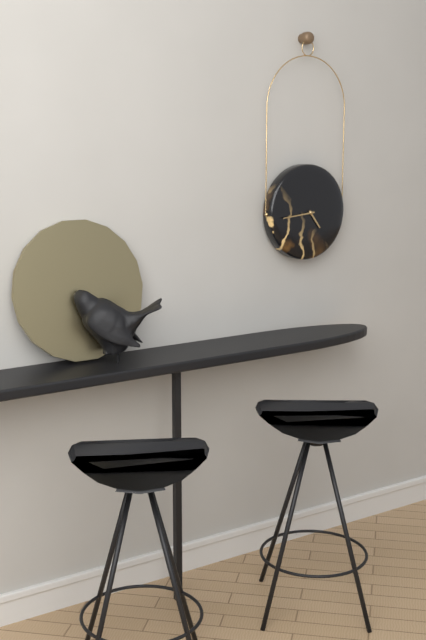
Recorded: 4h44
